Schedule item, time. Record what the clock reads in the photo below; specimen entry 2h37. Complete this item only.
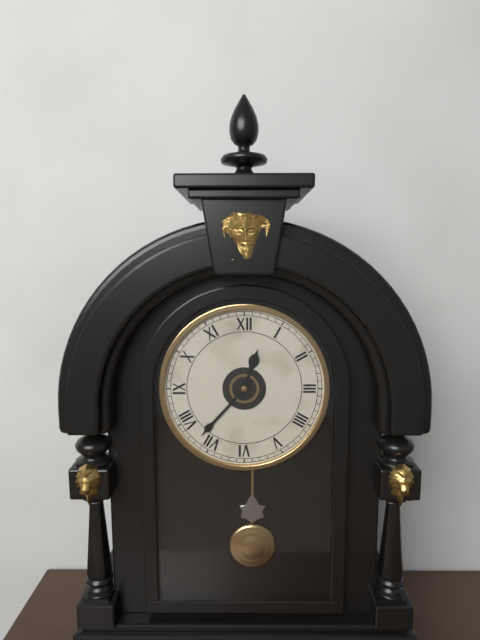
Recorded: 12h37
